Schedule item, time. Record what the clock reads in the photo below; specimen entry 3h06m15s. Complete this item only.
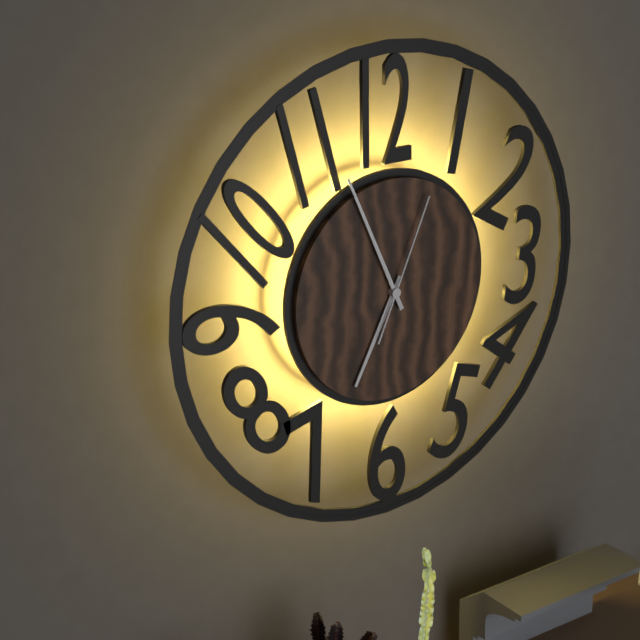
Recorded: 6h56m04s
